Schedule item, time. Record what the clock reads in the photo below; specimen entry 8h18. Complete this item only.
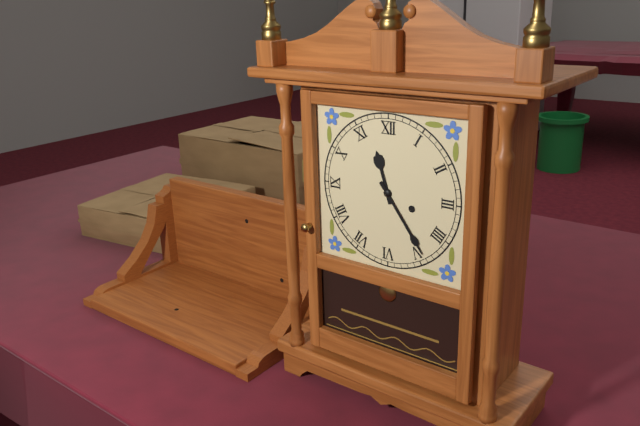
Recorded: 11h24
